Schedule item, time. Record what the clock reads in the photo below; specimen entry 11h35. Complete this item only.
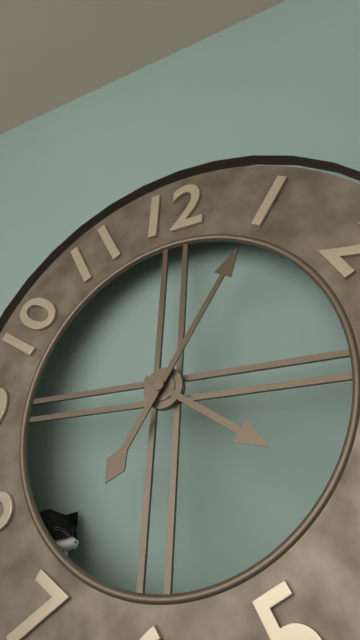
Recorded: 4h05
